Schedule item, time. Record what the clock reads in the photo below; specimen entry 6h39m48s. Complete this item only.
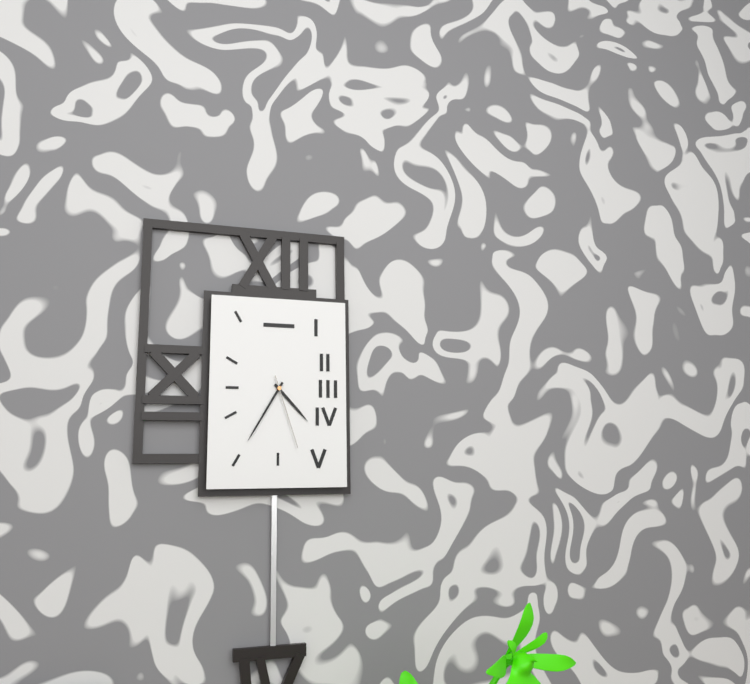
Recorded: 4h35m27s
